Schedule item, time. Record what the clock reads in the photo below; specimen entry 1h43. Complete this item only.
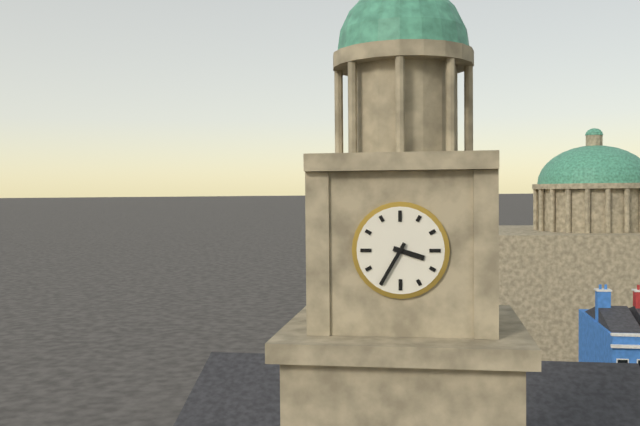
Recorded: 3h35
